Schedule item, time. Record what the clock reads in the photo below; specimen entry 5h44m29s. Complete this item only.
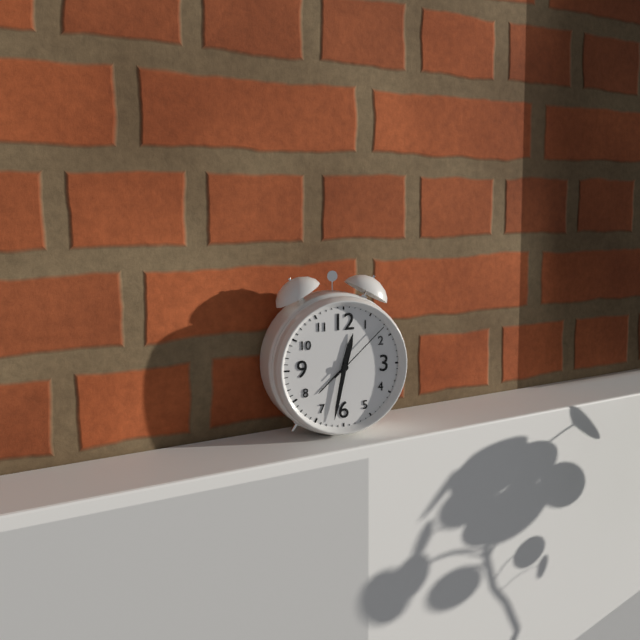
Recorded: 12h32m08s
